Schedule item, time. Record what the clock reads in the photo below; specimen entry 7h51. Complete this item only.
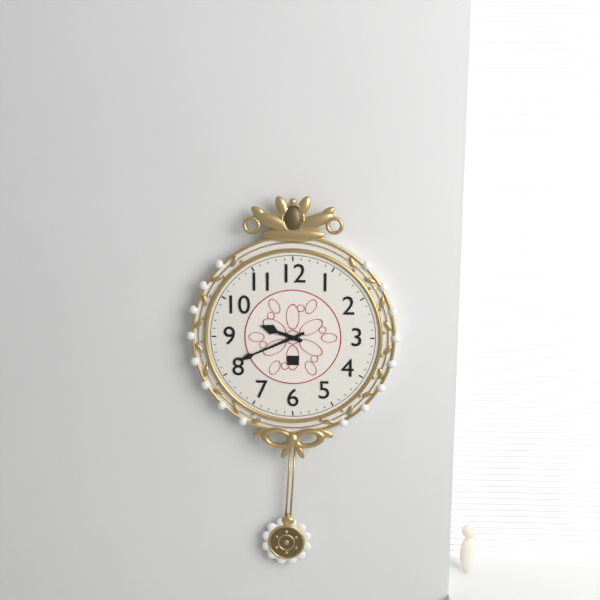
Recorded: 9h41
